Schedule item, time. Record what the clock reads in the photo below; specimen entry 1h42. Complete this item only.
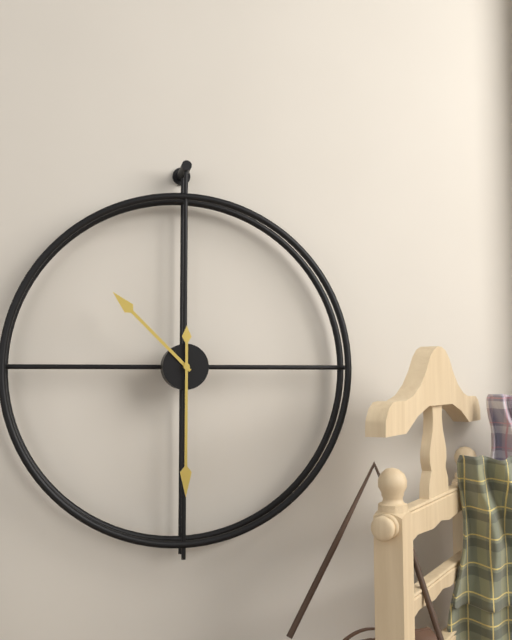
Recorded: 10h30
